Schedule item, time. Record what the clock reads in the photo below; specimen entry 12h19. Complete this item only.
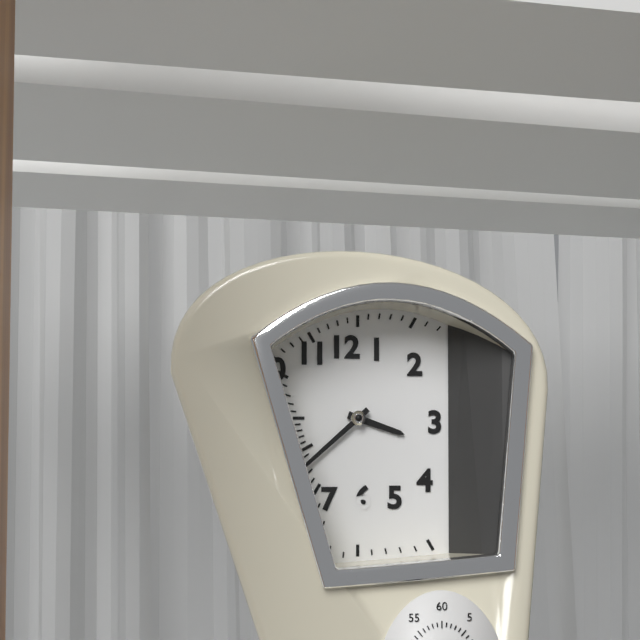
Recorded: 3h38
